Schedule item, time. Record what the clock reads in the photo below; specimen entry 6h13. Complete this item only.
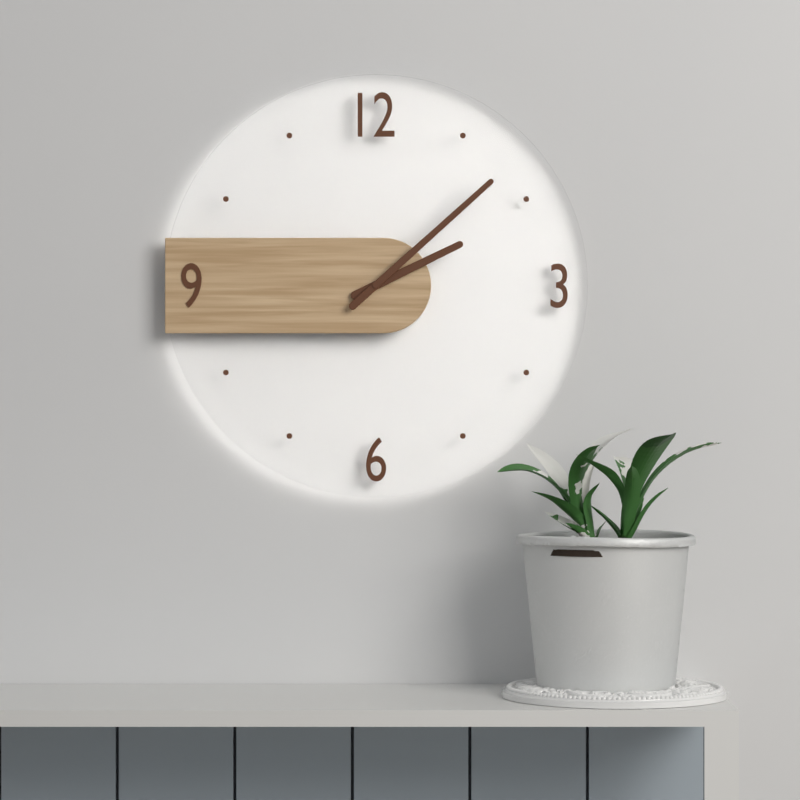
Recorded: 2h08
